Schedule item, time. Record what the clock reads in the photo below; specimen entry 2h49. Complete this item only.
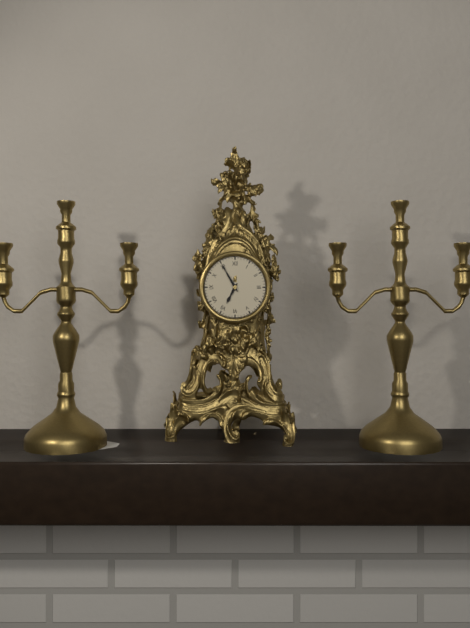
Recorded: 6h55
